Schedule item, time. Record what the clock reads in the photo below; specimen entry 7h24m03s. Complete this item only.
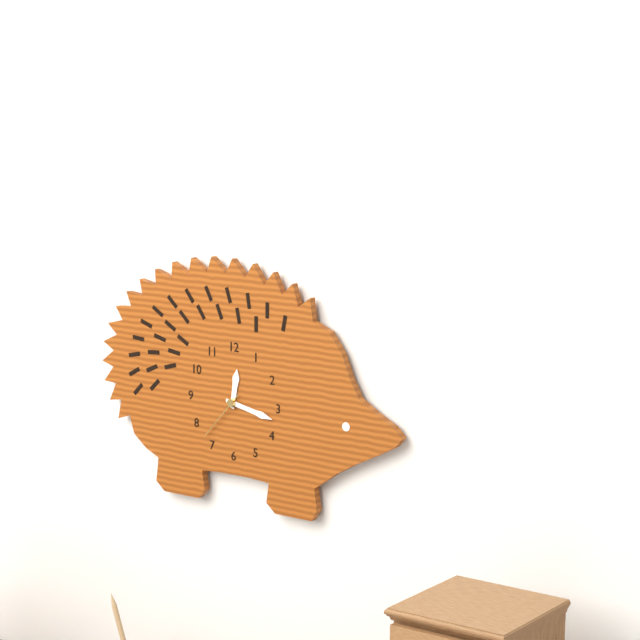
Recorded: 12h17m37s
